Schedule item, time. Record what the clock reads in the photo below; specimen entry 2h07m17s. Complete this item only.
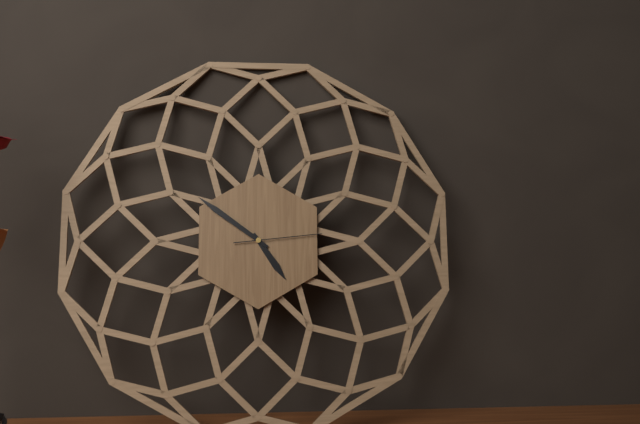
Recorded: 4h51m14s
